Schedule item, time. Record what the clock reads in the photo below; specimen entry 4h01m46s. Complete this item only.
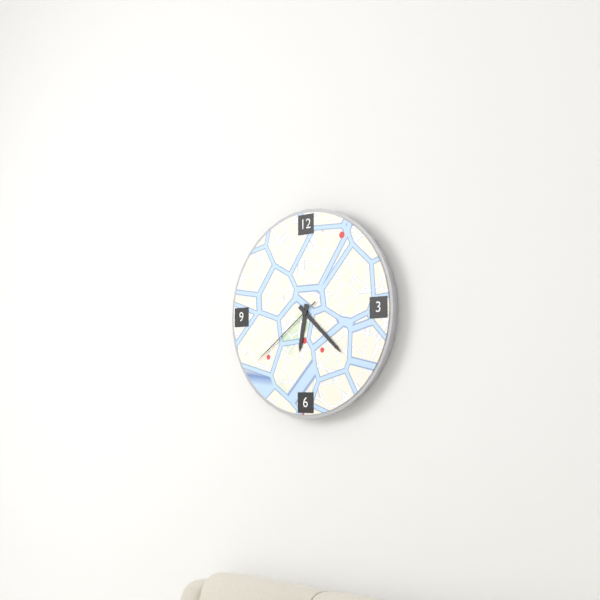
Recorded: 6h22m39s
